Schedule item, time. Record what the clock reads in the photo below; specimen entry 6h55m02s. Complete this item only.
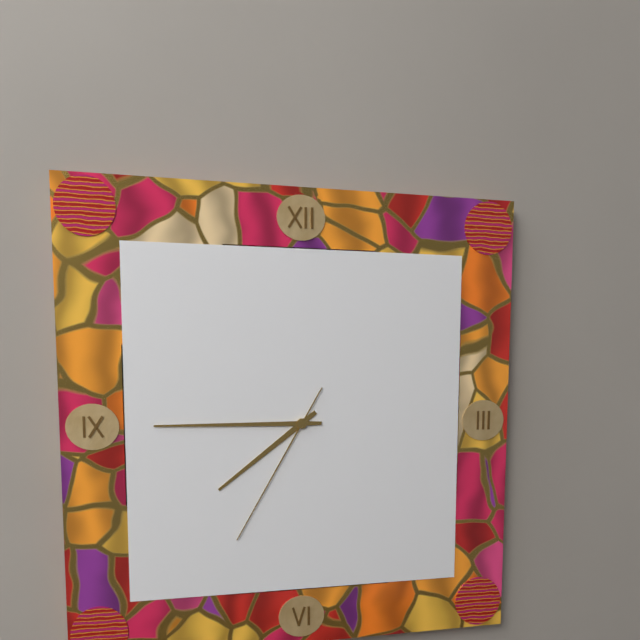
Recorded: 7h45m35s
